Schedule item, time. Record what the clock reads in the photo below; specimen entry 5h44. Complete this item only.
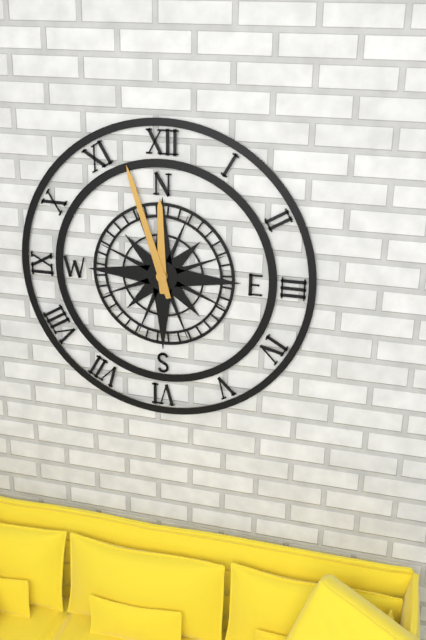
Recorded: 11h57
